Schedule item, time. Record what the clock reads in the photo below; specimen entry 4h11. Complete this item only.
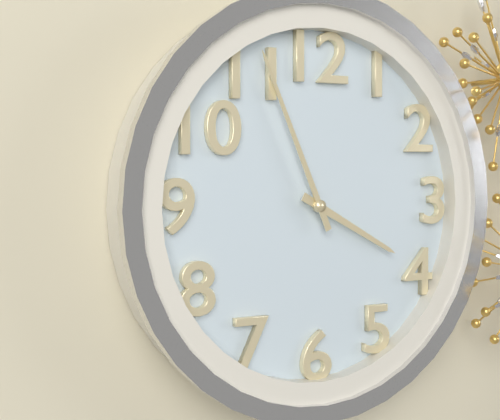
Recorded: 3h56
